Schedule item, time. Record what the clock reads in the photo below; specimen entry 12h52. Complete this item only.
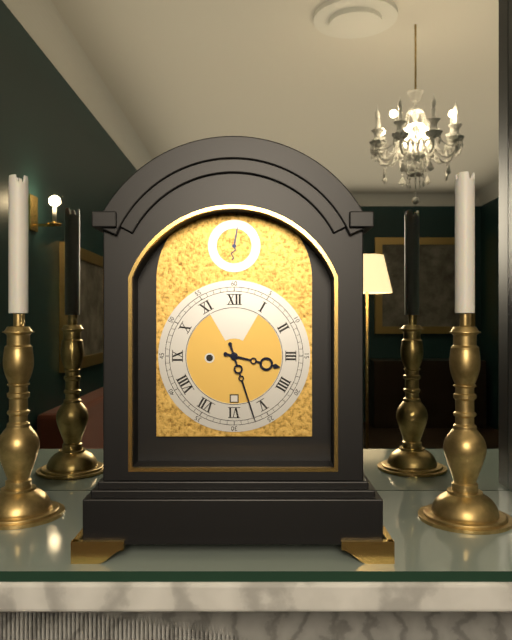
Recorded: 3h27
